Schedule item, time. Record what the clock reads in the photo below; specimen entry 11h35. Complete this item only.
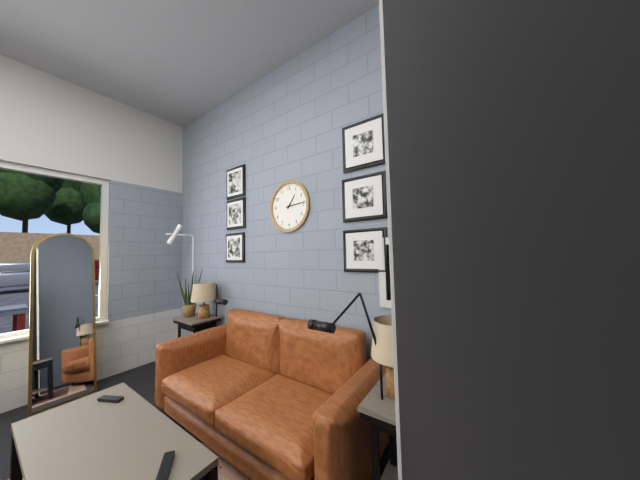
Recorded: 1h14
